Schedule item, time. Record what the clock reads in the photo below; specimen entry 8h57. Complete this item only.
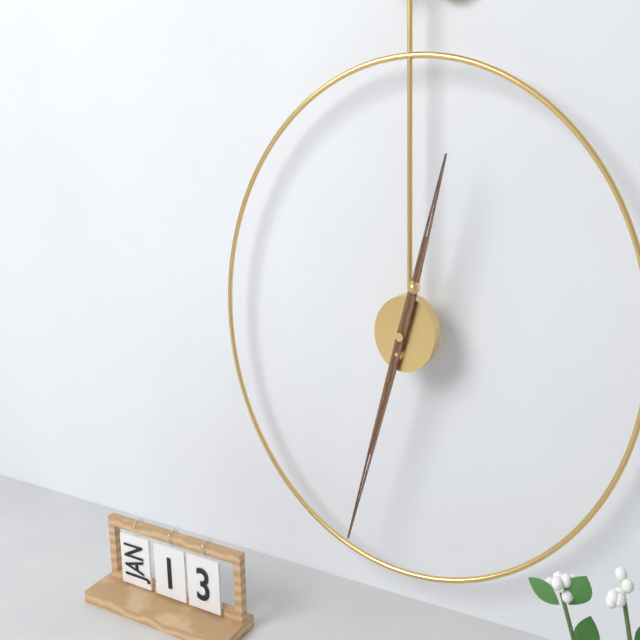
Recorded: 12h33
